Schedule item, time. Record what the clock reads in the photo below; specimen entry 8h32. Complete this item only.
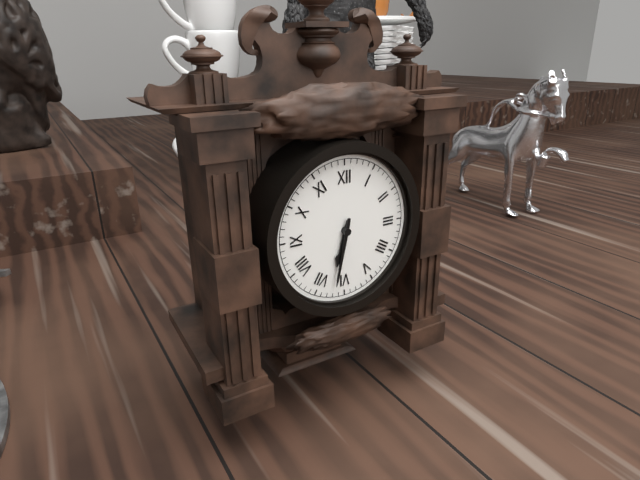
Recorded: 6h32
